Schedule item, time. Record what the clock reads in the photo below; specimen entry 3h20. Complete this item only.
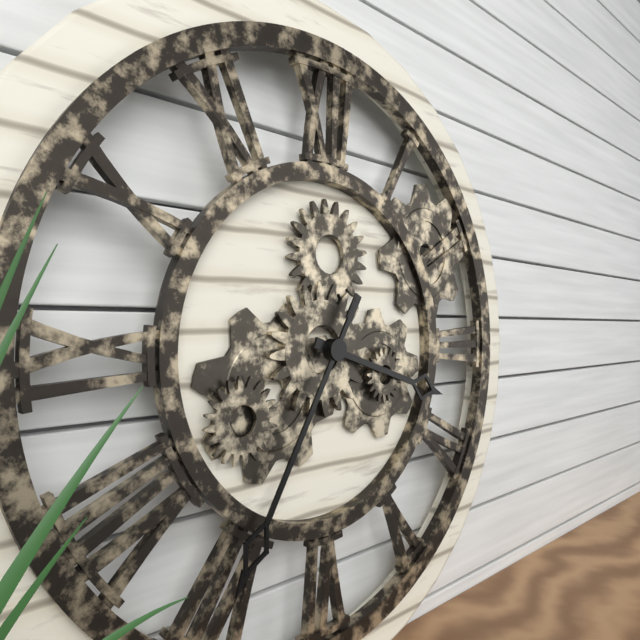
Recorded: 3h35
